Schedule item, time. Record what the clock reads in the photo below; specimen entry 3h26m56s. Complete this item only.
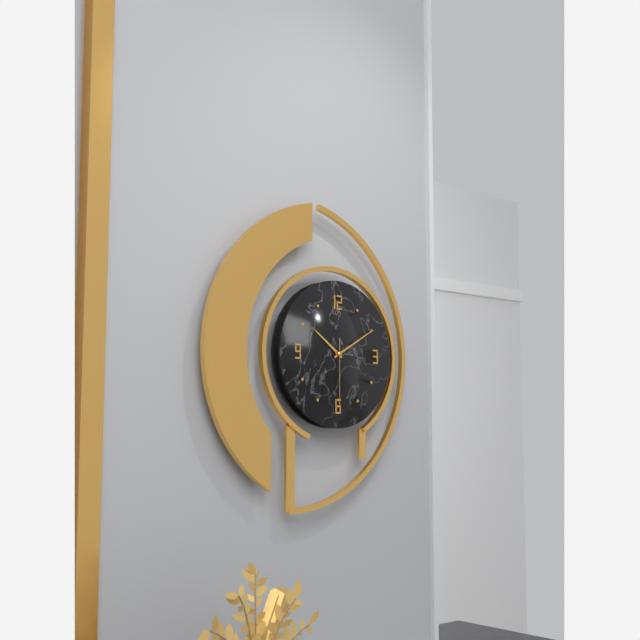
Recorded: 10h10m30s
